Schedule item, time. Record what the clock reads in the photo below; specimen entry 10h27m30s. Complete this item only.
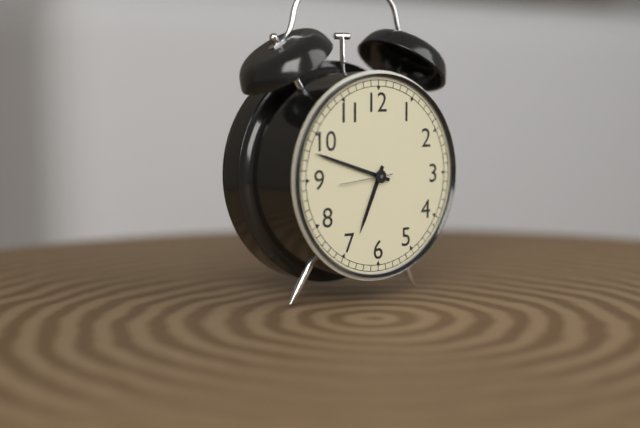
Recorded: 6h48m44s
